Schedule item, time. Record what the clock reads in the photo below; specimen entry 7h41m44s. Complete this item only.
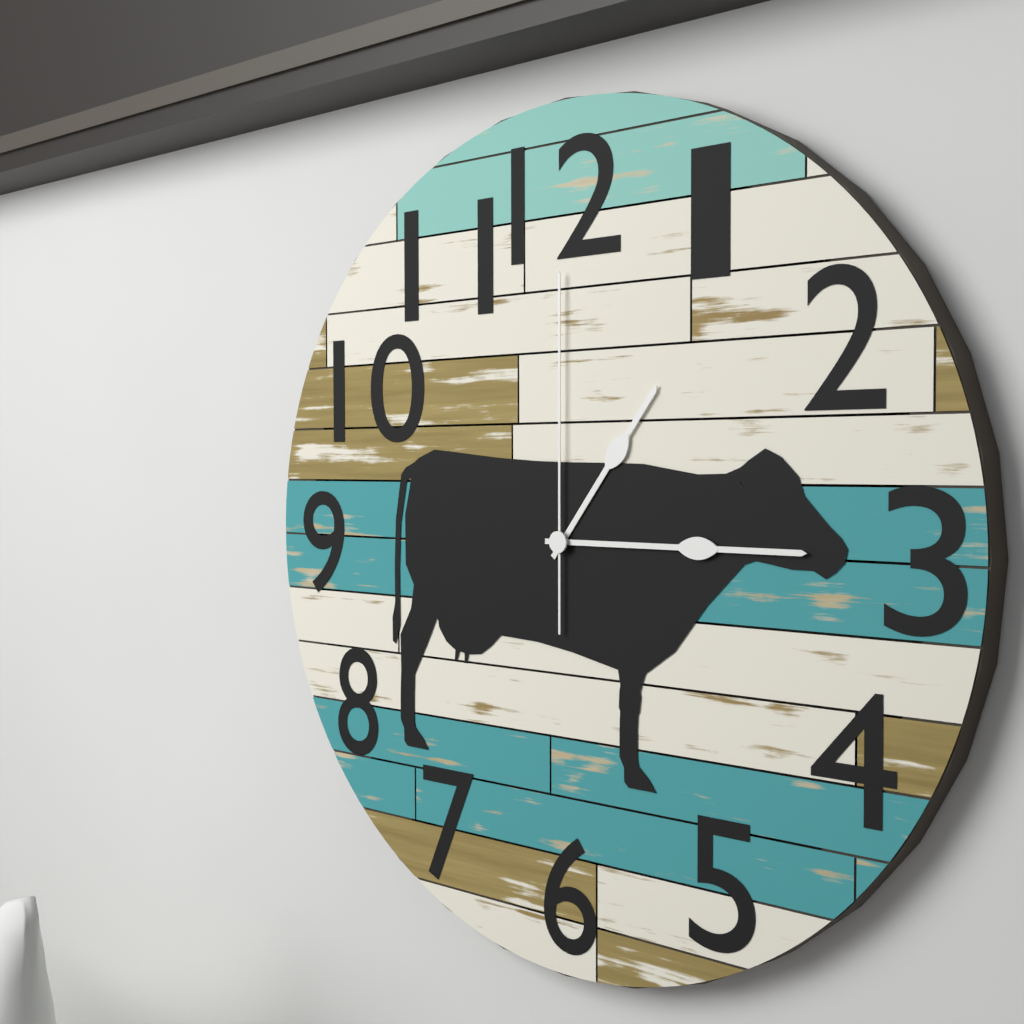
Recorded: 1h15m00s
